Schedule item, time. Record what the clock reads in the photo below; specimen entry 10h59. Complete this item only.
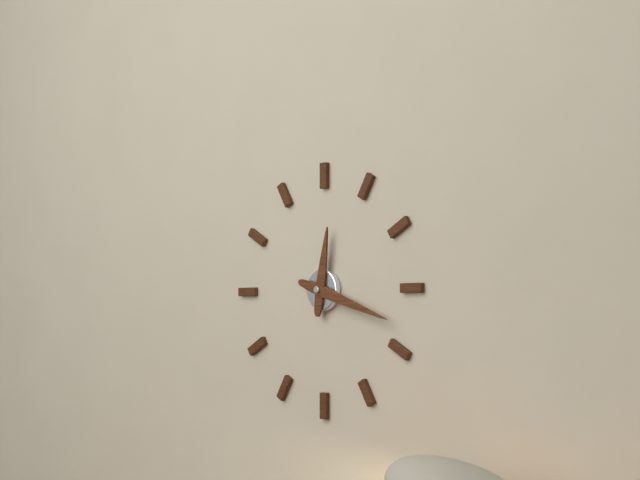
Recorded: 12h18
